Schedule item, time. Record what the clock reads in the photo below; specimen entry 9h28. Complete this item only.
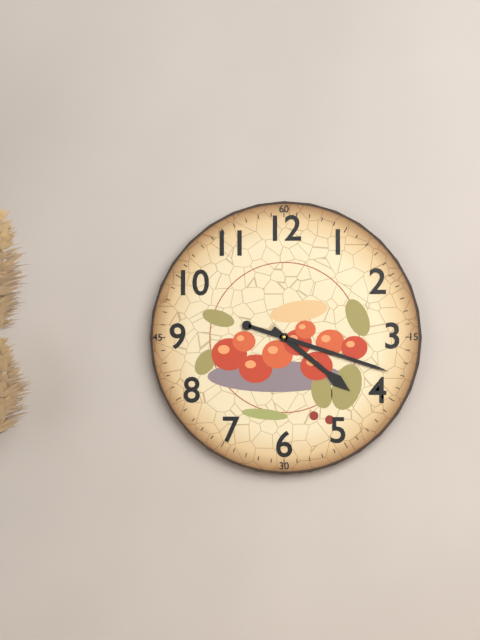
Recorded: 4h18
